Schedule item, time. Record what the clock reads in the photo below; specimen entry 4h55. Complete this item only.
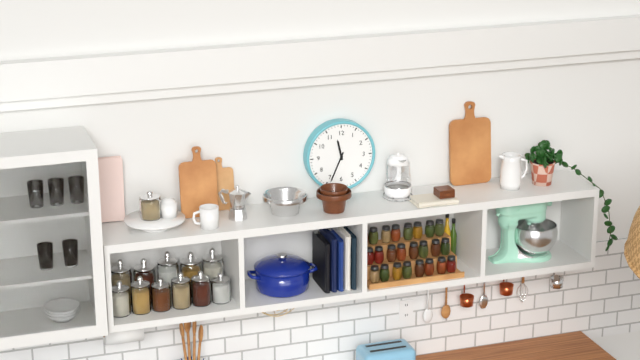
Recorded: 11h34
